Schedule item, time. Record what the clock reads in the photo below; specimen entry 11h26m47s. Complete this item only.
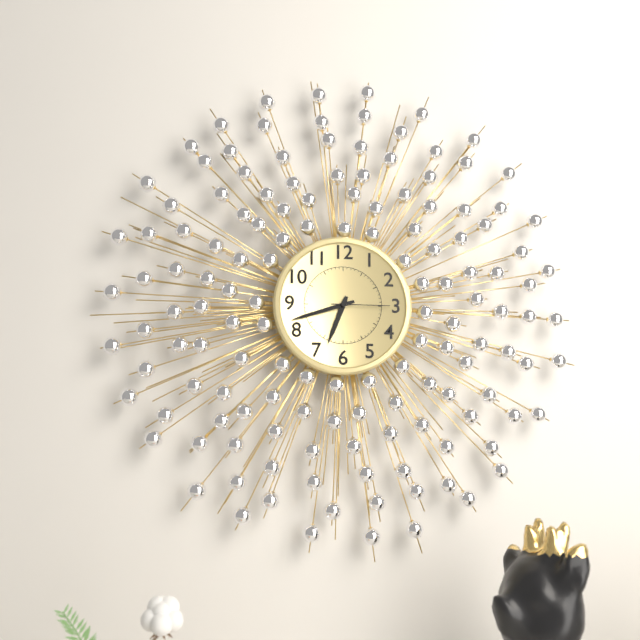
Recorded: 6h42m15s
